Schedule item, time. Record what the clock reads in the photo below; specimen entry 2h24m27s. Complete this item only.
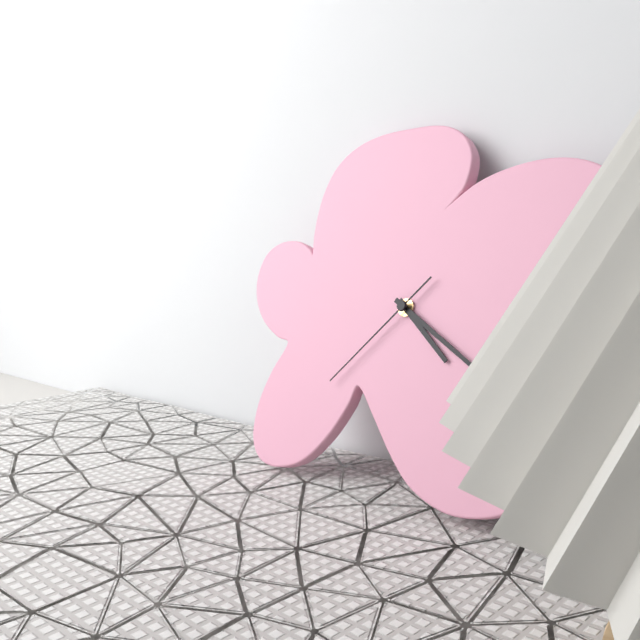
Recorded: 4h20m37s
